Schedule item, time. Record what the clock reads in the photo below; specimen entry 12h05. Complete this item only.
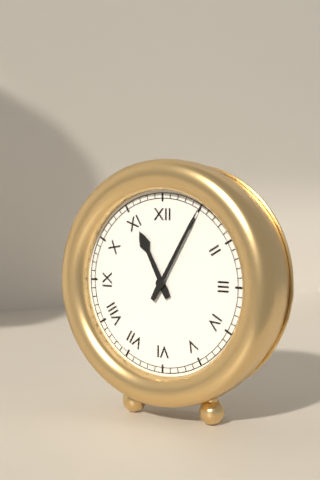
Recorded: 11h05
